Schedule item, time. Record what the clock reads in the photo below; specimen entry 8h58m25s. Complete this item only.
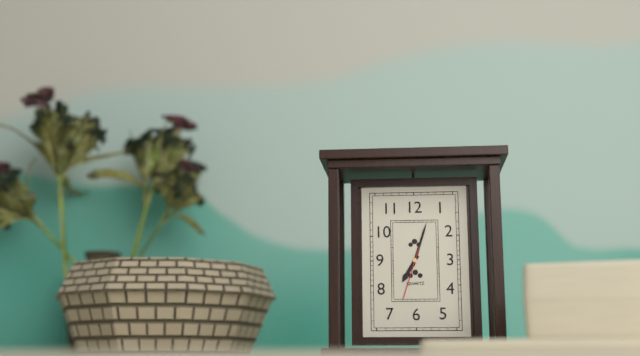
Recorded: 7h03m33s
